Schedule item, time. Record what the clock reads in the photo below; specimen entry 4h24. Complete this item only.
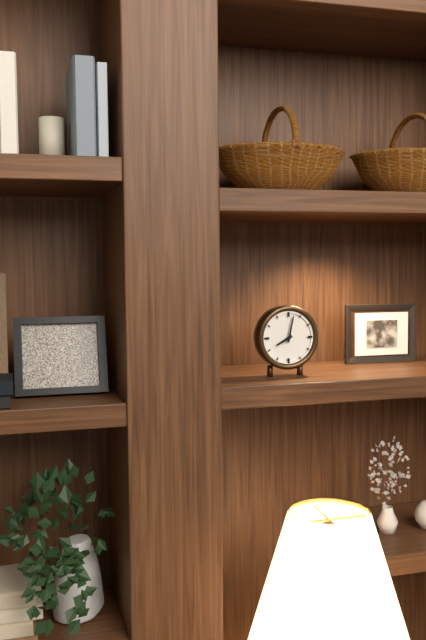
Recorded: 8h02
